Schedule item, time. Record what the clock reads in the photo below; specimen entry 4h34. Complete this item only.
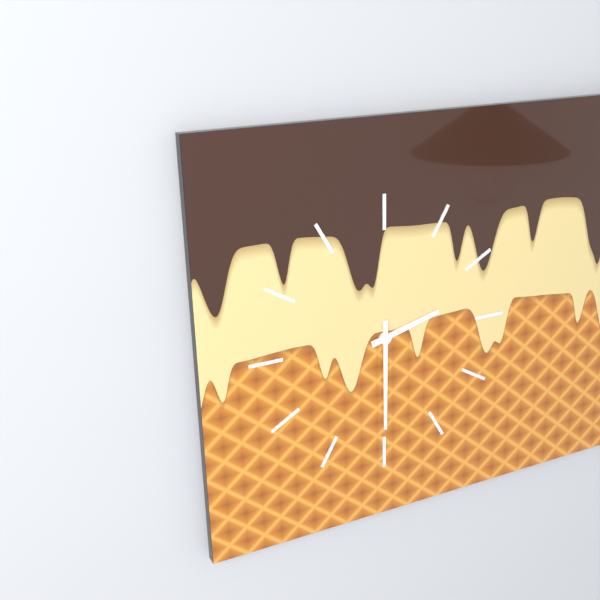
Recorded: 2h30
